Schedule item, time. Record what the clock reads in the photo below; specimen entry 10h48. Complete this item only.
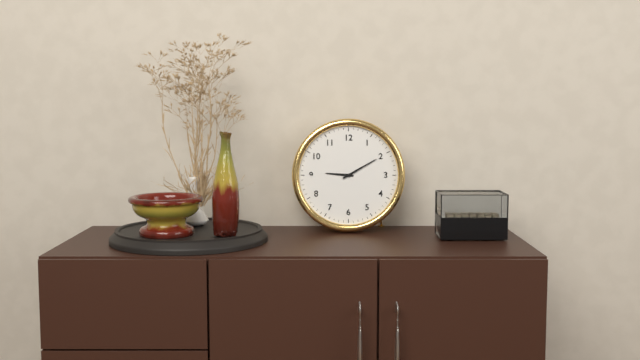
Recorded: 9h10
